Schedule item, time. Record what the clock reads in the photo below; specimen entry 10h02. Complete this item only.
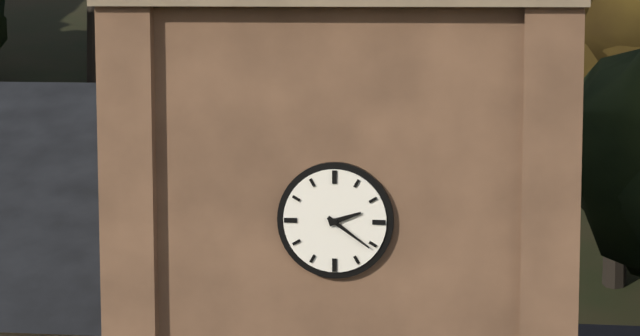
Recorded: 2h21
